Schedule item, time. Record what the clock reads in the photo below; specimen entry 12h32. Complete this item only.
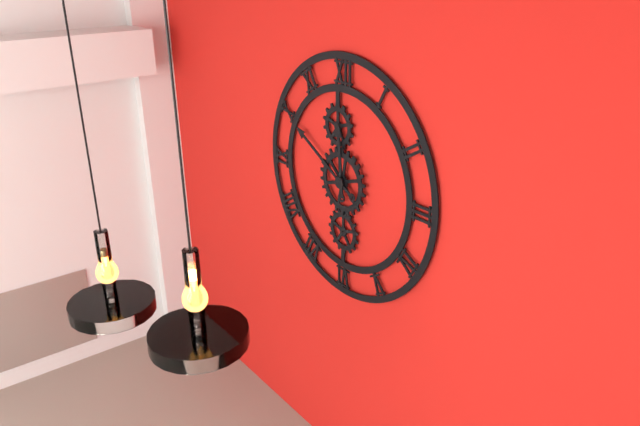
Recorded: 11h50
